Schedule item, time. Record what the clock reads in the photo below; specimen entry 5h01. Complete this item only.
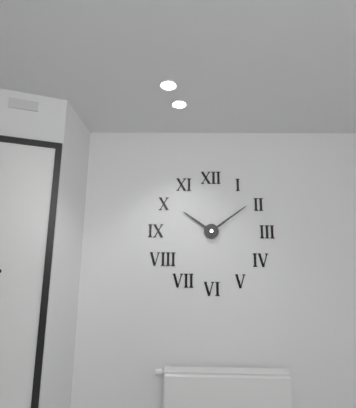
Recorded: 10h09
